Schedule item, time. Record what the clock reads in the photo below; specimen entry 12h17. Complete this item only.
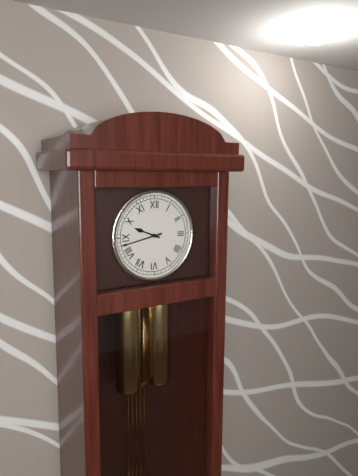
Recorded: 9h43
